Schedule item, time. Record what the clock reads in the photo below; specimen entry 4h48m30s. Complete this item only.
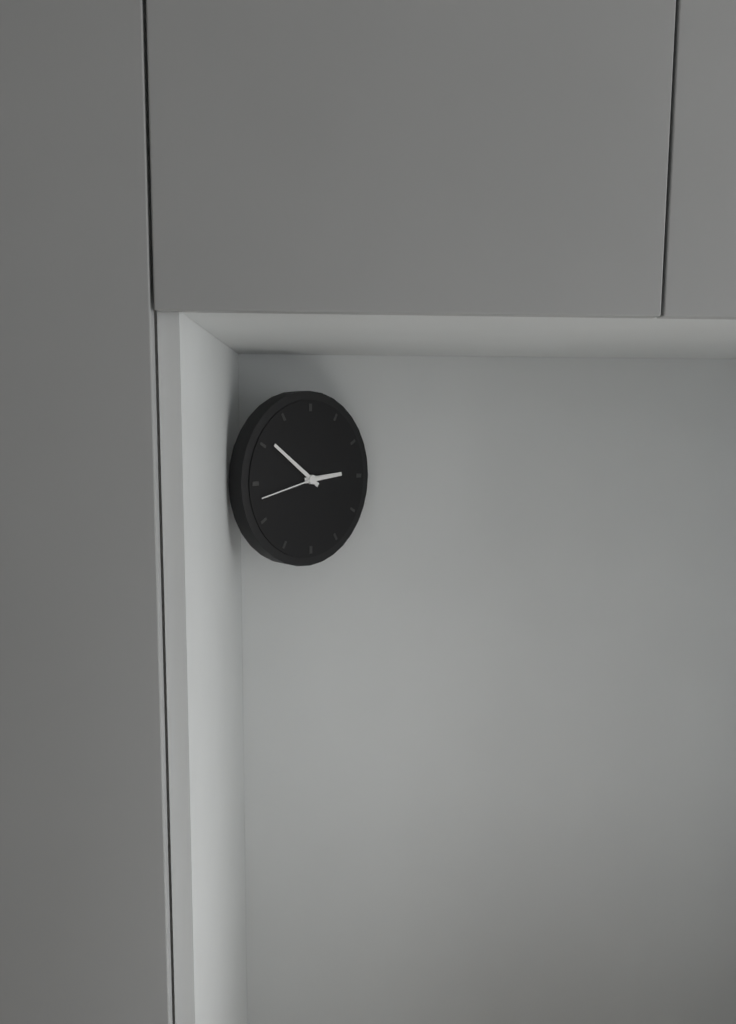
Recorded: 2h51m43s
